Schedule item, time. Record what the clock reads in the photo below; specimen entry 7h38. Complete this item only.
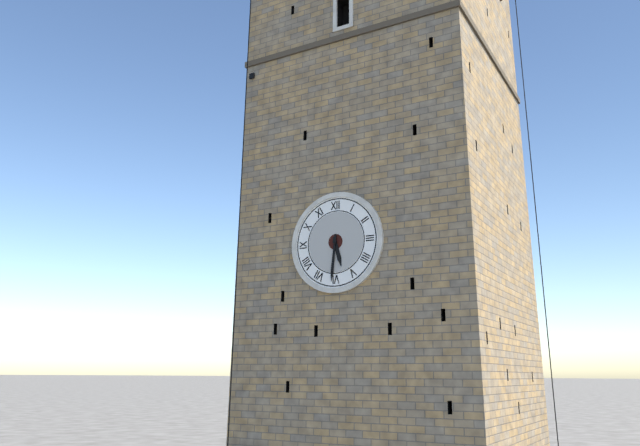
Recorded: 5h31
